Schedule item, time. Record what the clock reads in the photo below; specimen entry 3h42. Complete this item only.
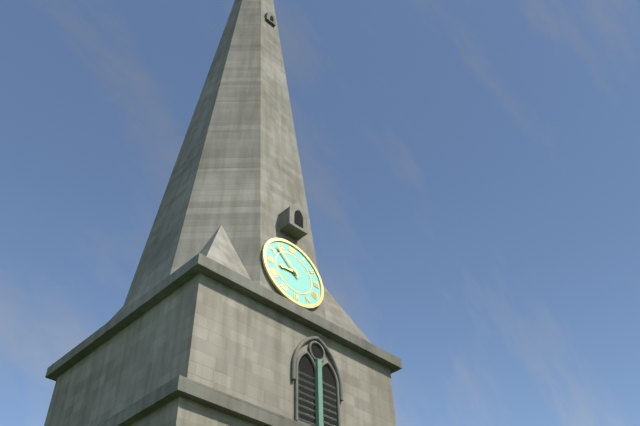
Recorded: 8h53
